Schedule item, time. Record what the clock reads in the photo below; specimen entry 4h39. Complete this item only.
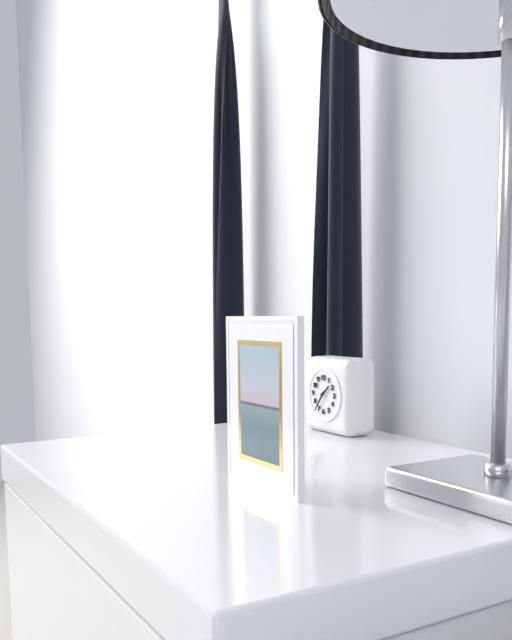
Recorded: 1h36
